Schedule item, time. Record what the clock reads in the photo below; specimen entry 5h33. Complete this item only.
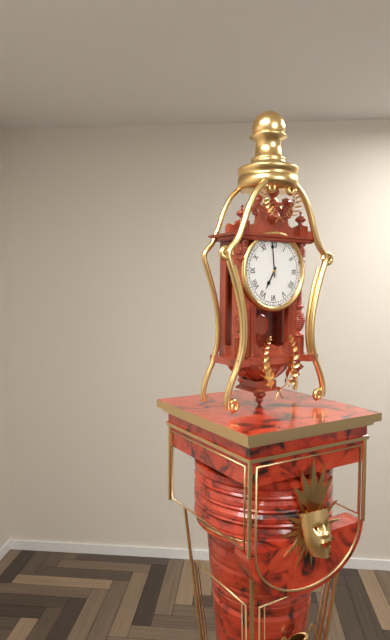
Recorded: 6h59
